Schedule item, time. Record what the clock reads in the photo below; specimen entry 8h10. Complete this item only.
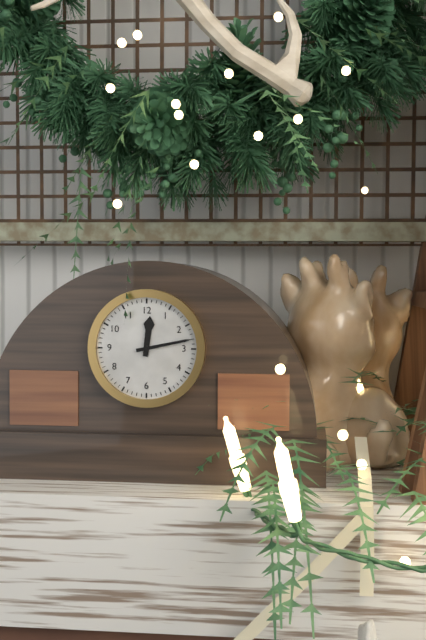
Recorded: 12h13
